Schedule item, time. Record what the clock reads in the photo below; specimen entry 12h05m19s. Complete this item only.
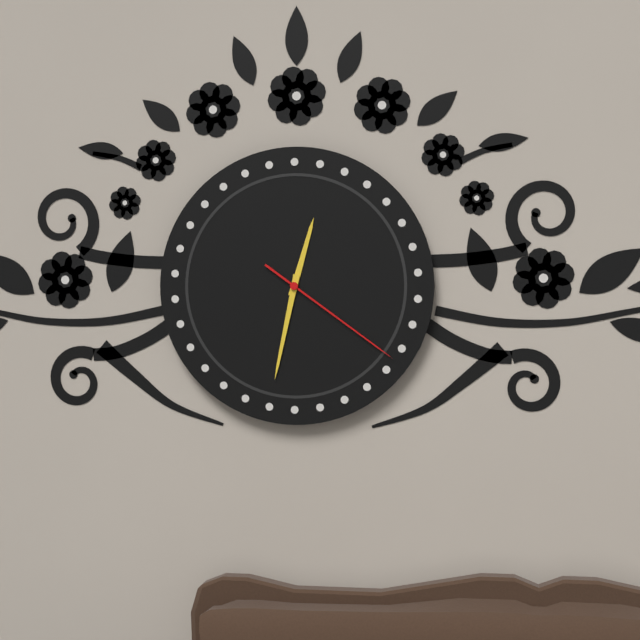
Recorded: 12h32m21s
